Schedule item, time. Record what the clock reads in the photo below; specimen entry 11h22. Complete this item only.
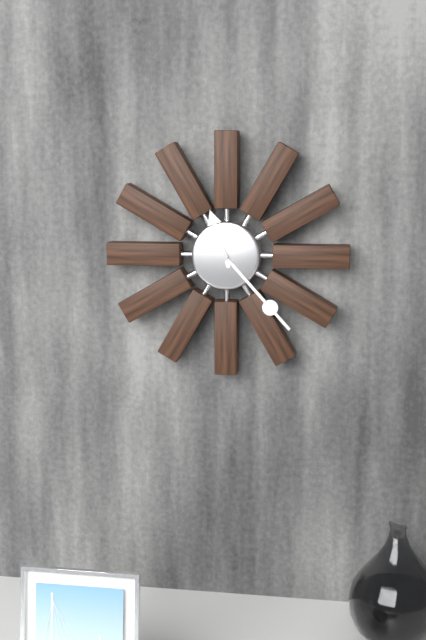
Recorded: 11h23
